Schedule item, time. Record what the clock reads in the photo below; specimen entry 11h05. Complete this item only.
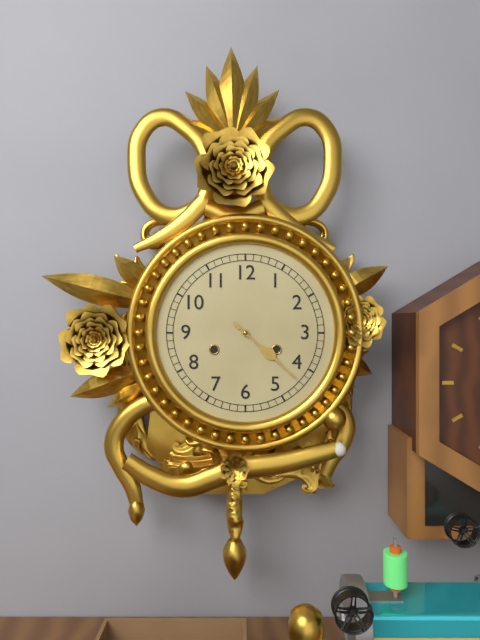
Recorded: 4h22
